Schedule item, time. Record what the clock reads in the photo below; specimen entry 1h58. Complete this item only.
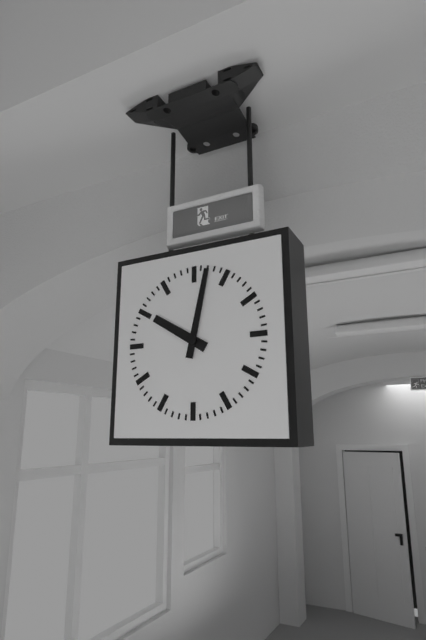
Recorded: 10h02
